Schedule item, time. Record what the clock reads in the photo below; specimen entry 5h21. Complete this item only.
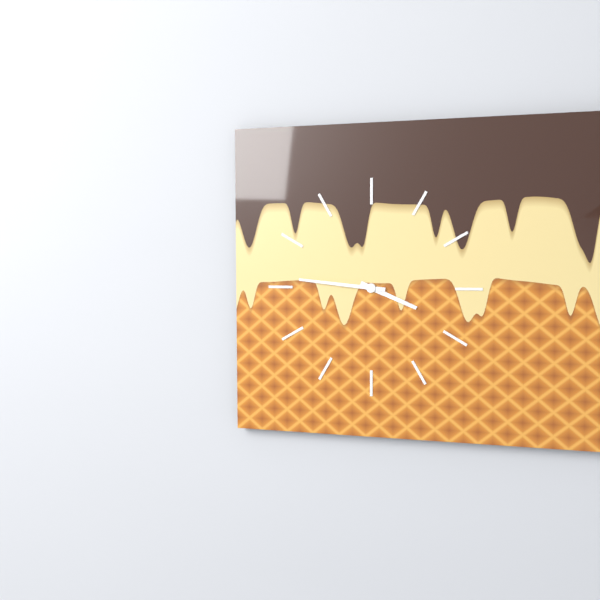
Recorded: 3h46
